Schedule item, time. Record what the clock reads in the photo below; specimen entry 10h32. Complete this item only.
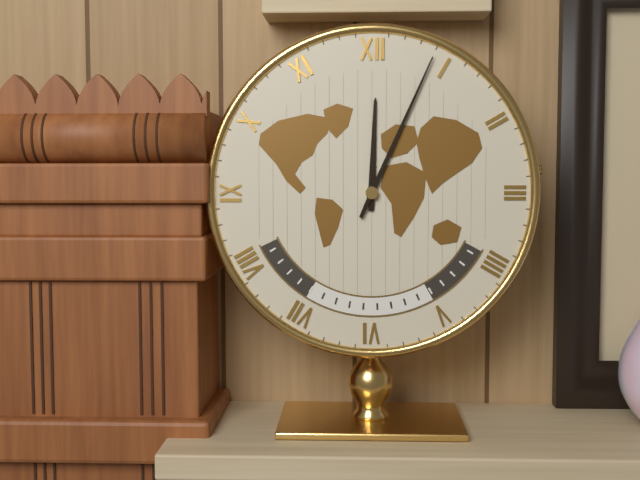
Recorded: 12h04
